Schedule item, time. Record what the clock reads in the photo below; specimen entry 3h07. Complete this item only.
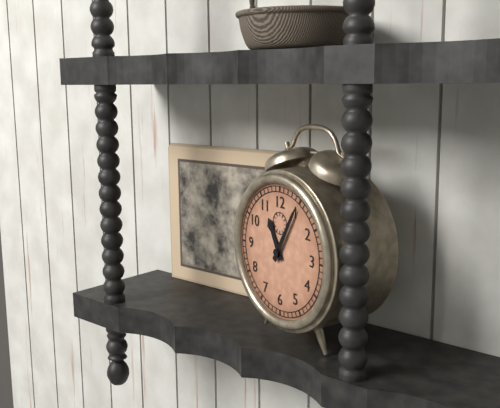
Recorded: 11h05
